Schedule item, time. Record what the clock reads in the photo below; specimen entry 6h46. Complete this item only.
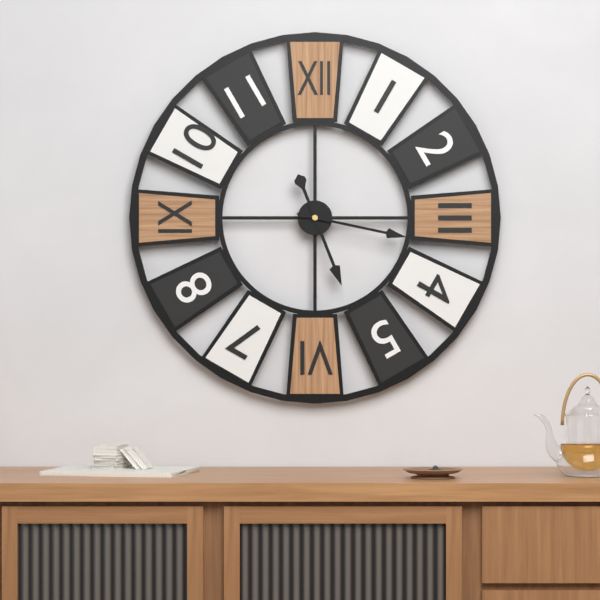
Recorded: 5h17
